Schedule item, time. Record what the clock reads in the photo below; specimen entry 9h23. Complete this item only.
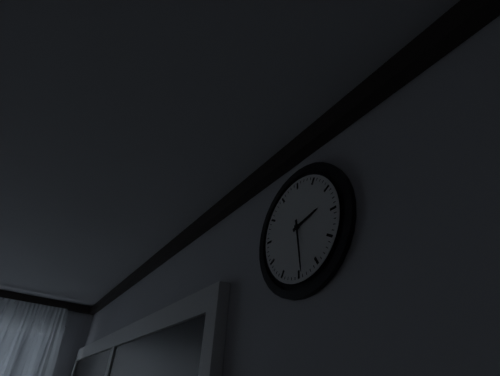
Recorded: 2h29
